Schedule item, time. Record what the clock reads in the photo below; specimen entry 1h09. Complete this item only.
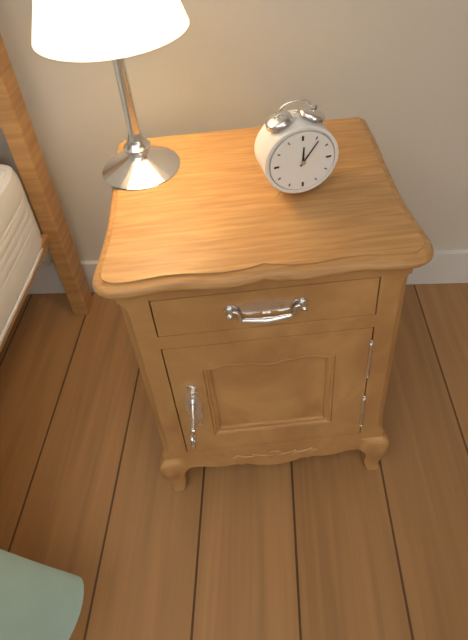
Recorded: 12h06
